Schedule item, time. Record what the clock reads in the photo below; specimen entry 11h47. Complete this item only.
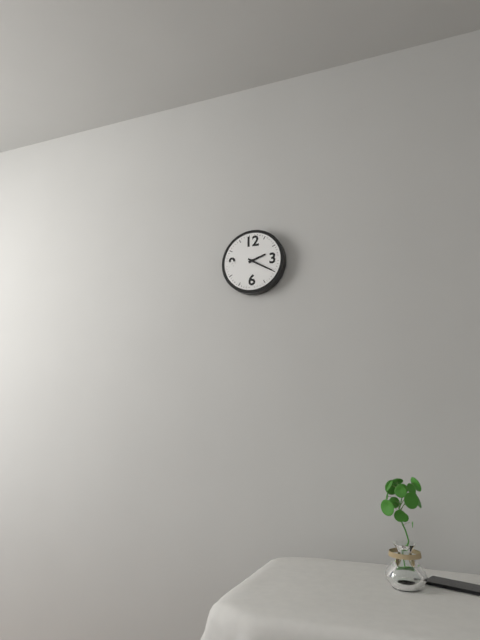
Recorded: 2h20
